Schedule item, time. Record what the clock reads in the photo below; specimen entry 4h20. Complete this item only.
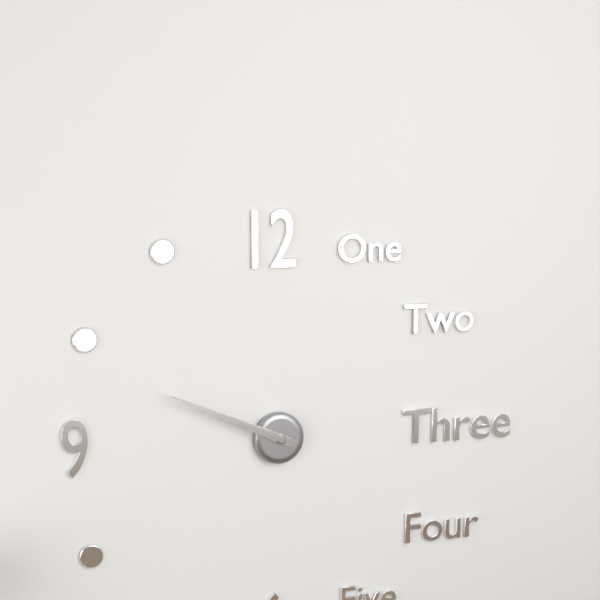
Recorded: 9h49
